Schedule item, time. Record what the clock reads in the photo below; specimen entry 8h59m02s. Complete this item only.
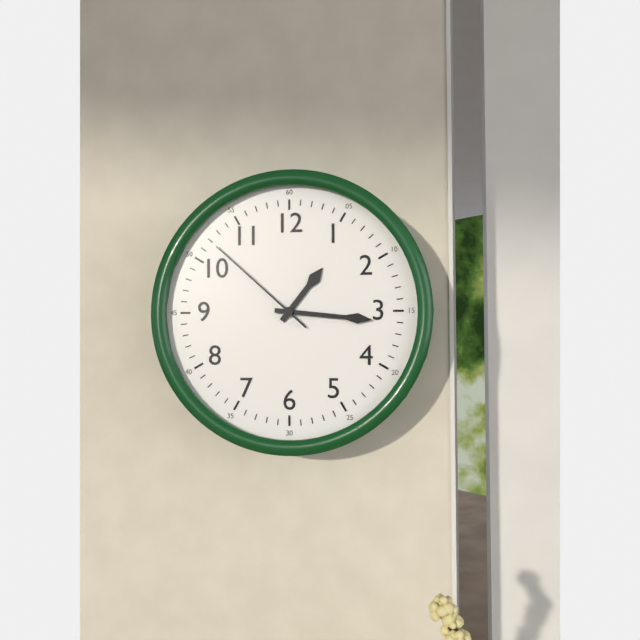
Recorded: 1h16m52s
